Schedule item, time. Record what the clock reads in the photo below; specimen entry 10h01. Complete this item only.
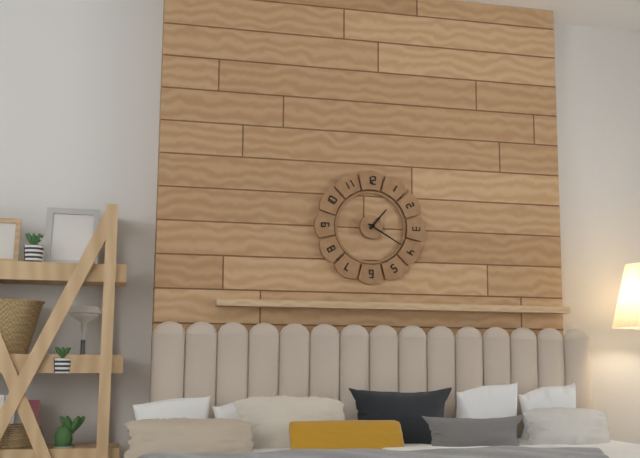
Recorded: 1h20
